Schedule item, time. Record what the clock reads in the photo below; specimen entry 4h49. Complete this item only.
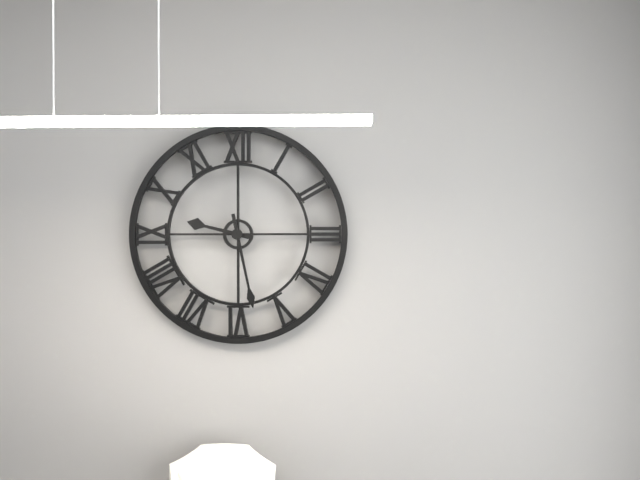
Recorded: 9h28
